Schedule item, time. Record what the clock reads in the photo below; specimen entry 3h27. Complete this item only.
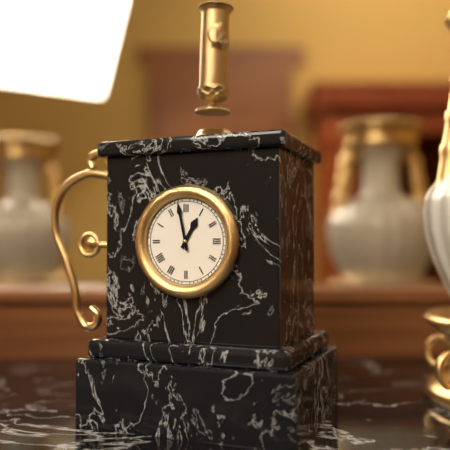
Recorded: 12h58
